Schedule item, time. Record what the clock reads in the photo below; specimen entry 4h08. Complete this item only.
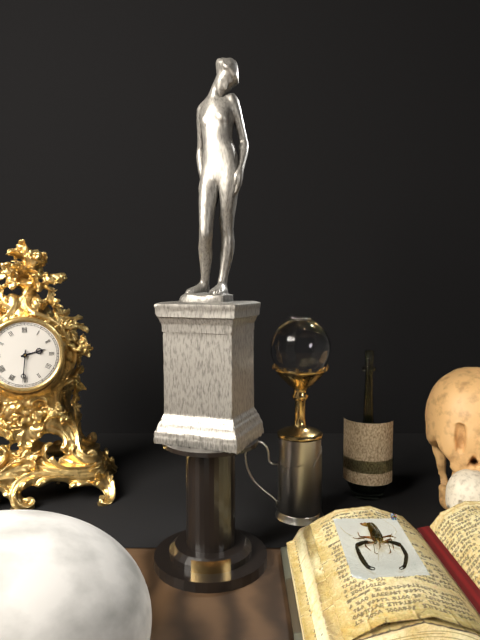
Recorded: 2h31
